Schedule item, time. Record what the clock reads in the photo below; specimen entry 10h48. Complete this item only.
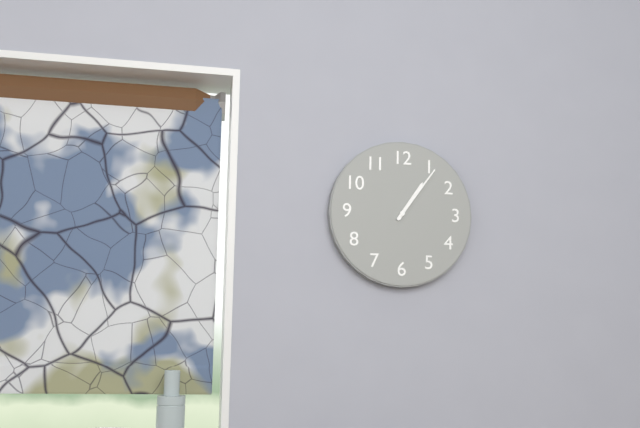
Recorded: 1h06
